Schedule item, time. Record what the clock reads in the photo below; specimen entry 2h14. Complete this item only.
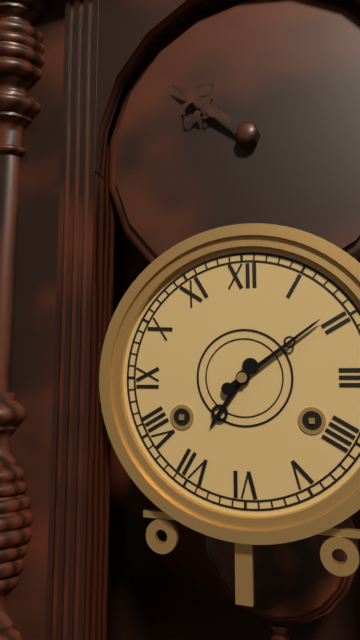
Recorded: 7h09
